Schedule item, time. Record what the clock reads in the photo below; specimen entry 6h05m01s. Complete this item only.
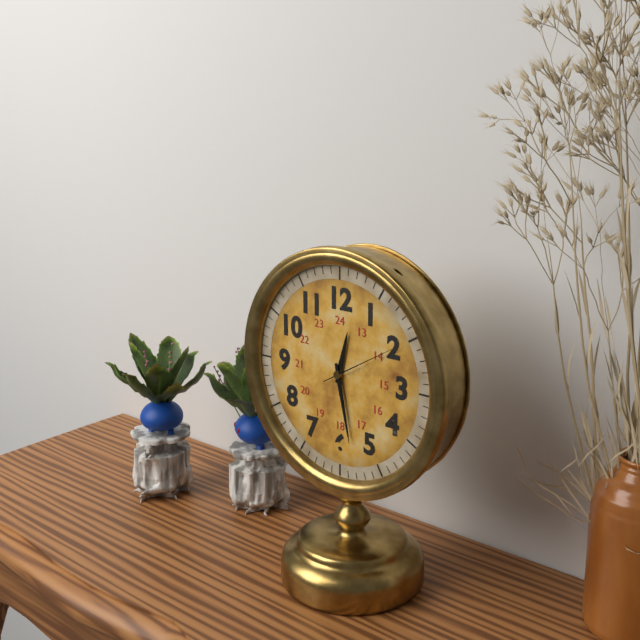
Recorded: 12h28m10s
